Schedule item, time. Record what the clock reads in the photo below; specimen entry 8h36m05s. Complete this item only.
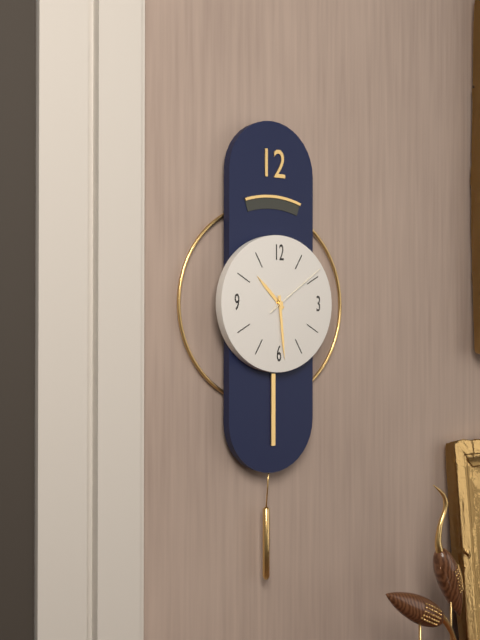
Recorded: 10h29m09s
